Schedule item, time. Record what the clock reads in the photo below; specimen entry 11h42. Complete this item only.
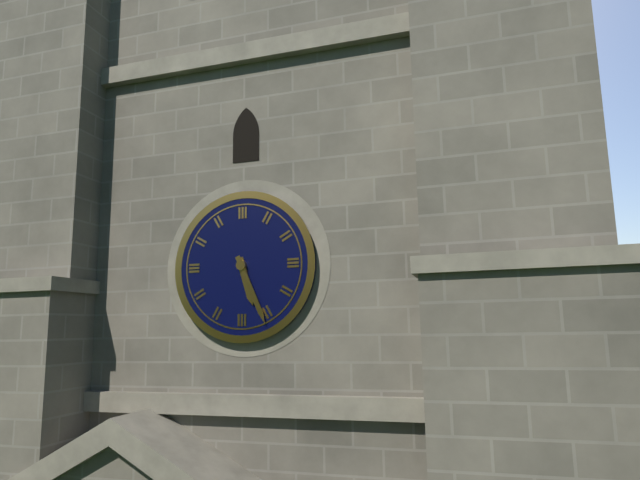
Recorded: 5h26
